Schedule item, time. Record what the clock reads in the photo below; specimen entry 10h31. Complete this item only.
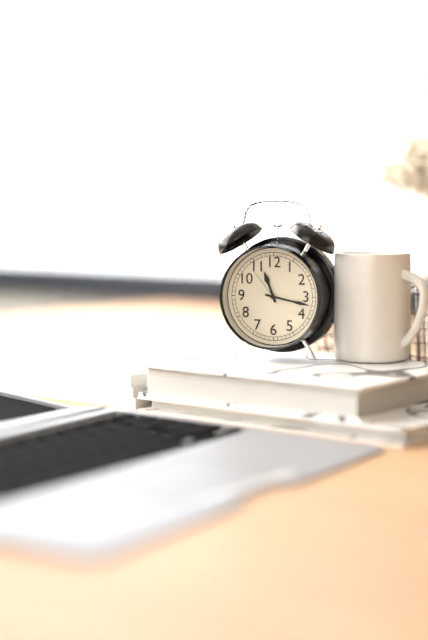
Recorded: 11h17
